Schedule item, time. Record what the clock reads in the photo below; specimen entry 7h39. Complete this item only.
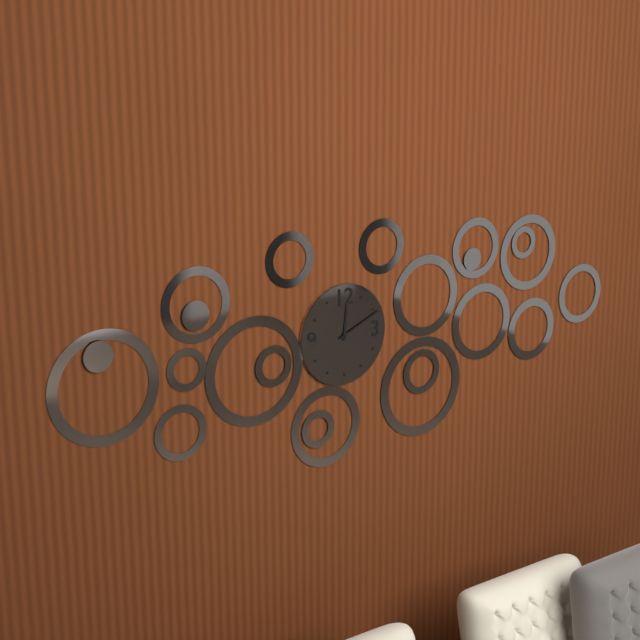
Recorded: 12h11
